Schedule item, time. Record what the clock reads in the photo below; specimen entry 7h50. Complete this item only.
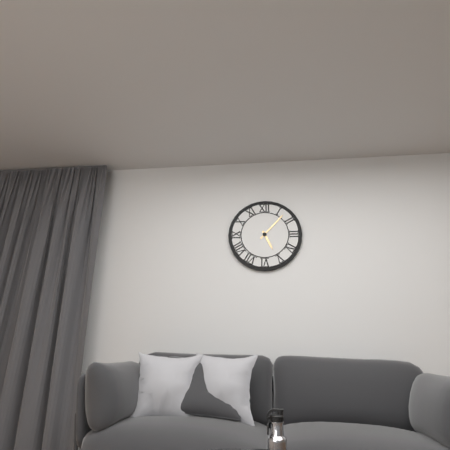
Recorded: 5h07
